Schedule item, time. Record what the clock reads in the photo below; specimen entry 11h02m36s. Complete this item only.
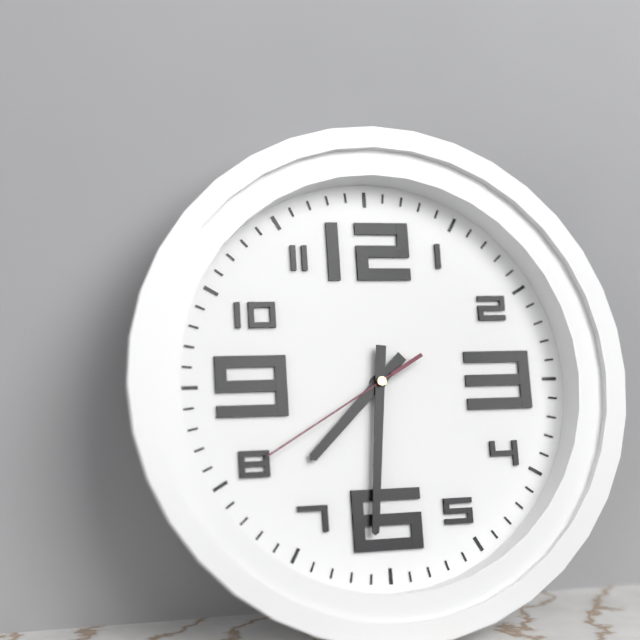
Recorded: 7h31m40s
